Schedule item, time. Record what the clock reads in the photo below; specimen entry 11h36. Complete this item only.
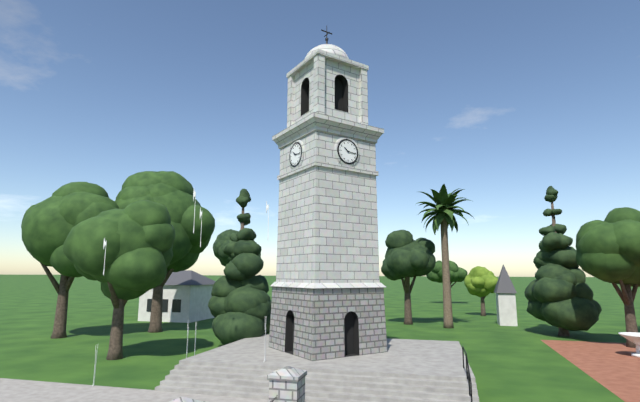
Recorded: 10h16
